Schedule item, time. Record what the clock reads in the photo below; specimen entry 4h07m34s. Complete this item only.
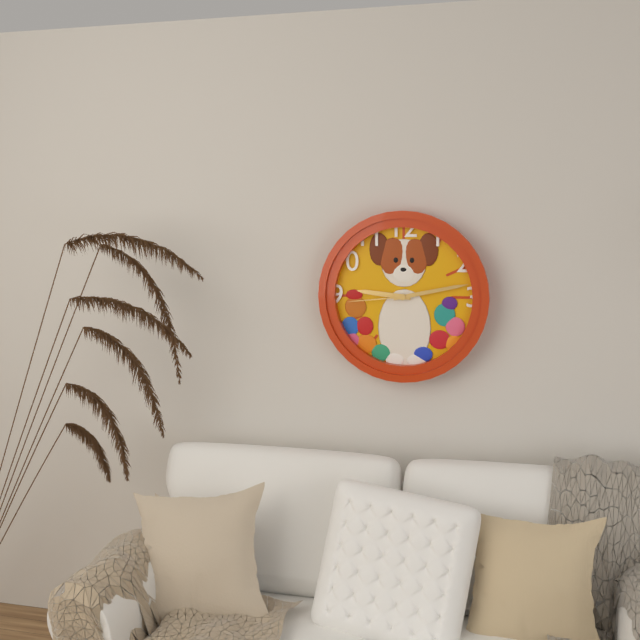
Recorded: 9h13m44s
